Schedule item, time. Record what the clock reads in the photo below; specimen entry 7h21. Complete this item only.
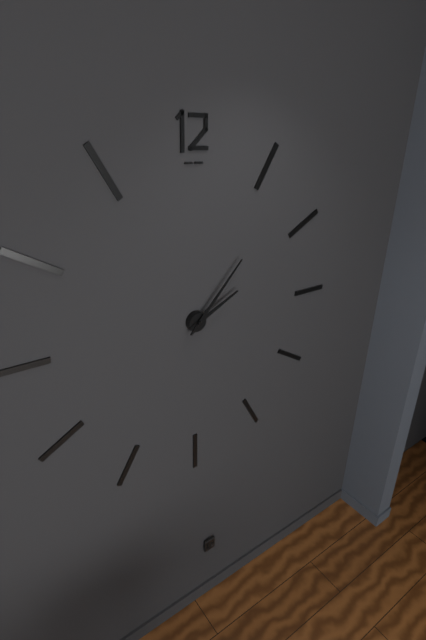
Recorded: 2h07
